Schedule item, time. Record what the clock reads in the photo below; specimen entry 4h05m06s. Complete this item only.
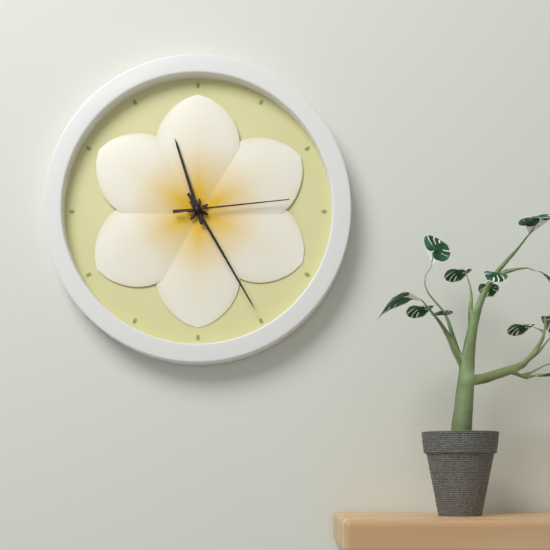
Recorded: 11h25m14s
